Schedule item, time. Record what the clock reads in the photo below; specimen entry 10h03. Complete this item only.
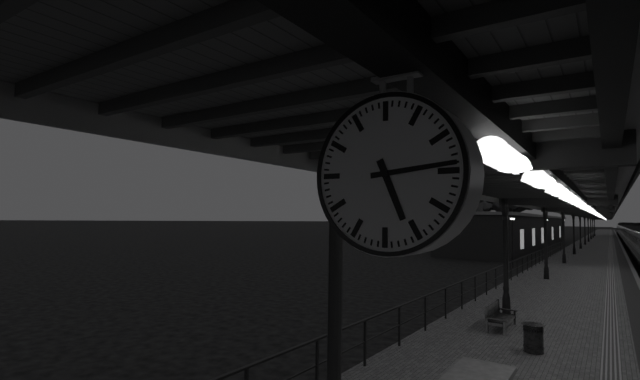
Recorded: 5h14
